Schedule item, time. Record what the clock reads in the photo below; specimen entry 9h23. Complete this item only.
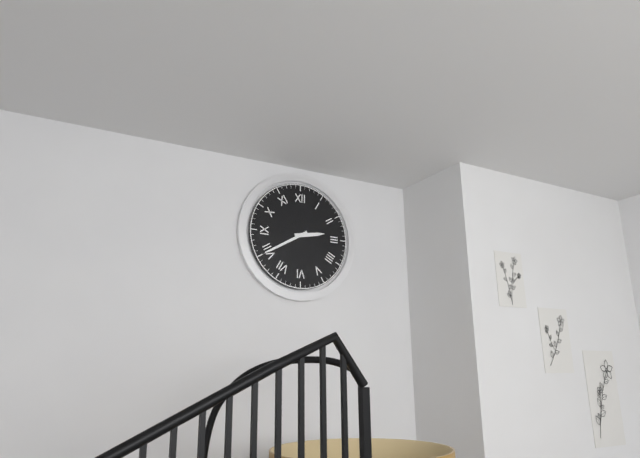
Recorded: 2h40
